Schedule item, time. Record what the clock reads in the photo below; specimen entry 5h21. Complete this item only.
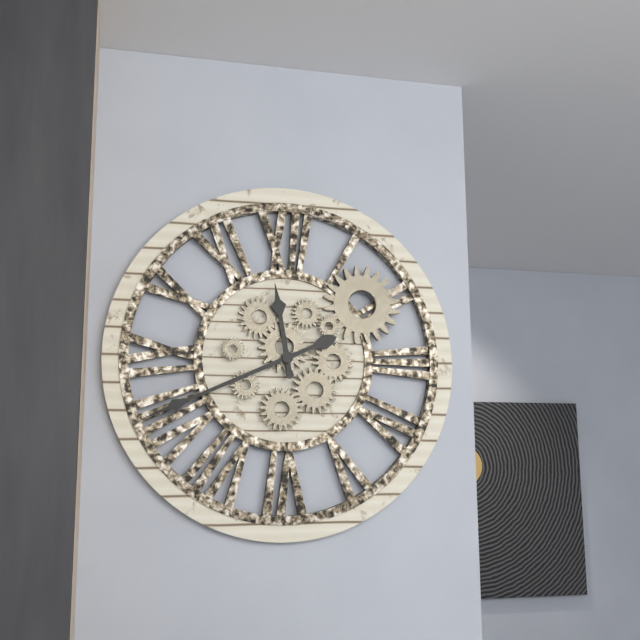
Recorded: 11h41
